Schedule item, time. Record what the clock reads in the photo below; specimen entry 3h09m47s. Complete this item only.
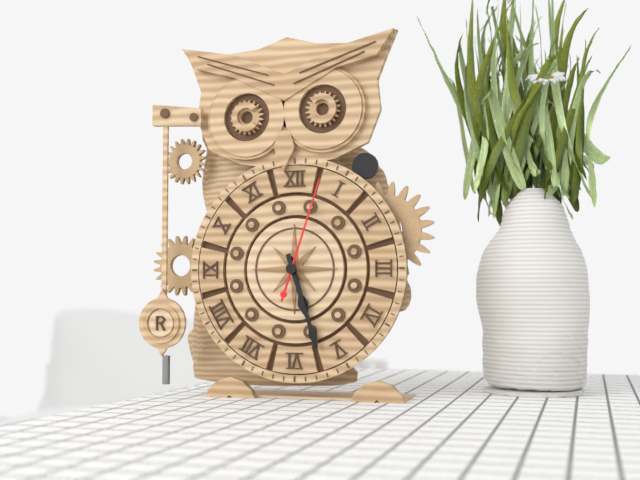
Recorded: 5h27m03s
